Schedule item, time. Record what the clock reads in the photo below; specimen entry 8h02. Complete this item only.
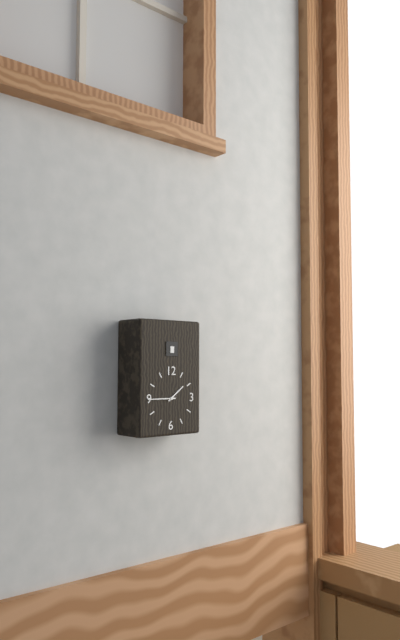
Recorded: 1h45
